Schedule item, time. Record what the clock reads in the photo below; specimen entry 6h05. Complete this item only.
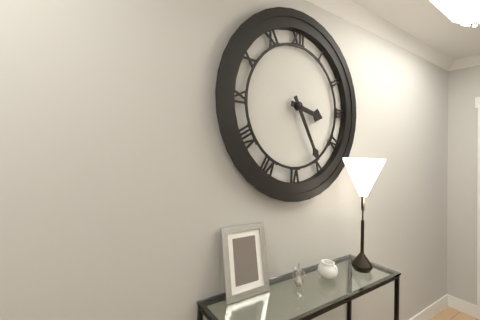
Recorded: 3h25
